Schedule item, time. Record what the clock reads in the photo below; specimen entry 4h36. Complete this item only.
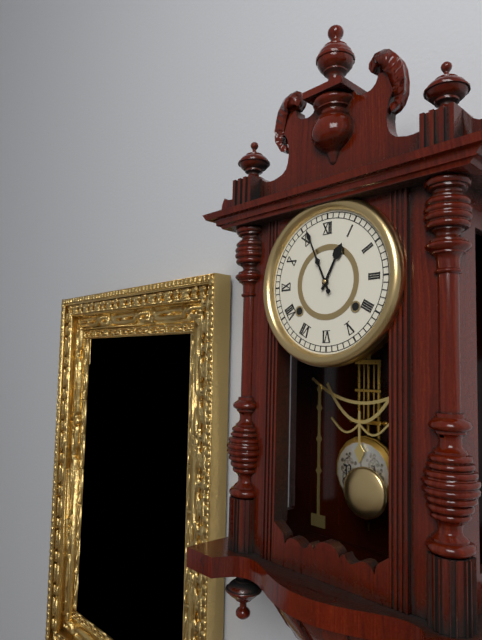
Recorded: 12h56
